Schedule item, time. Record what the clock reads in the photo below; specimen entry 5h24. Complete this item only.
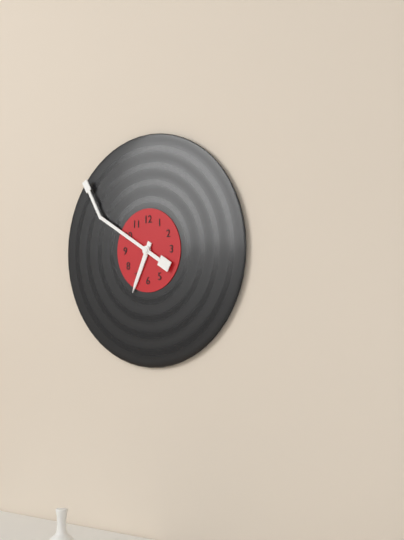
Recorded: 6h50
